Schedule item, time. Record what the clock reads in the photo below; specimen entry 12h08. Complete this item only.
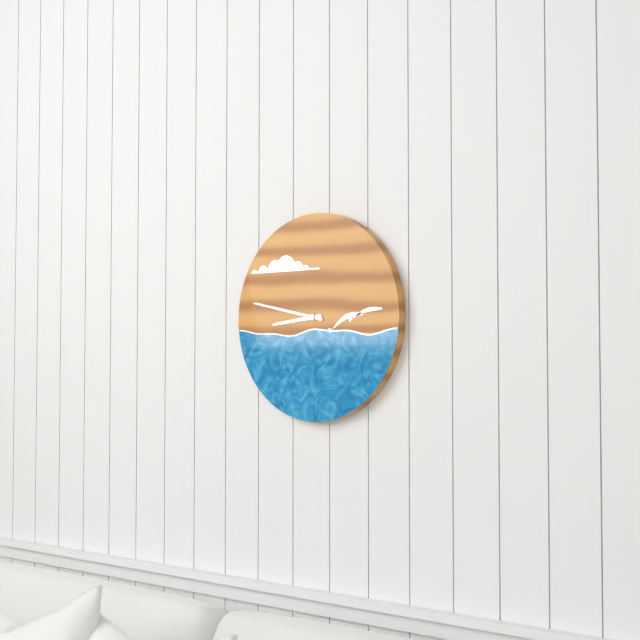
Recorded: 8h47
